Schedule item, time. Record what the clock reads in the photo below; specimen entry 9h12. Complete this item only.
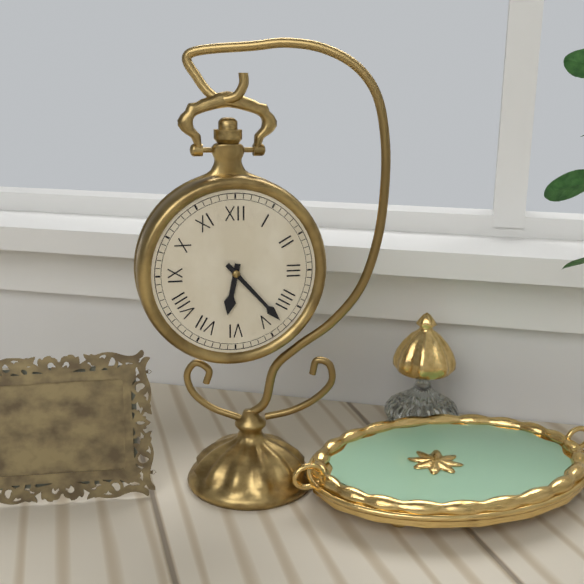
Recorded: 6h23
